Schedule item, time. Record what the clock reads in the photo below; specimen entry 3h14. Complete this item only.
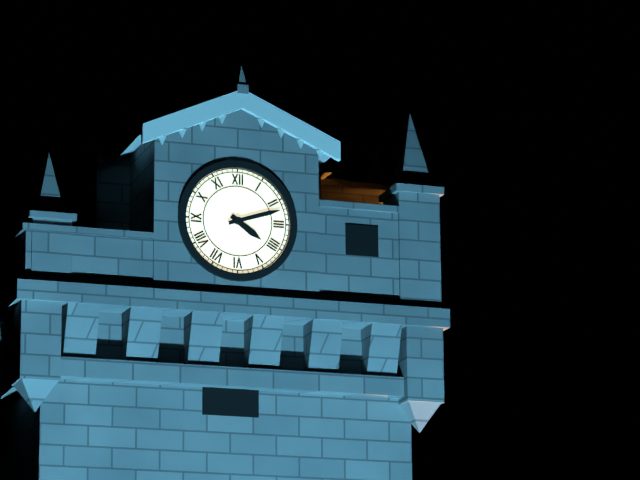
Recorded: 4h12
